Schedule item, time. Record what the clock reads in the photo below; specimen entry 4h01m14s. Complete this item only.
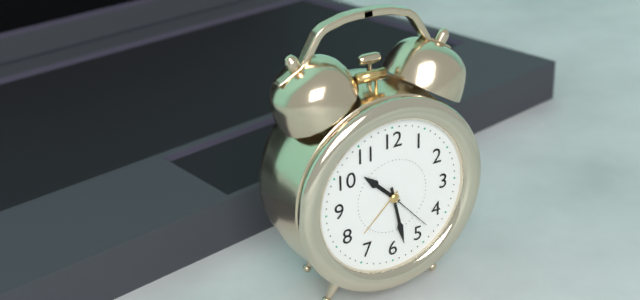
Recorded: 10h28m23s
